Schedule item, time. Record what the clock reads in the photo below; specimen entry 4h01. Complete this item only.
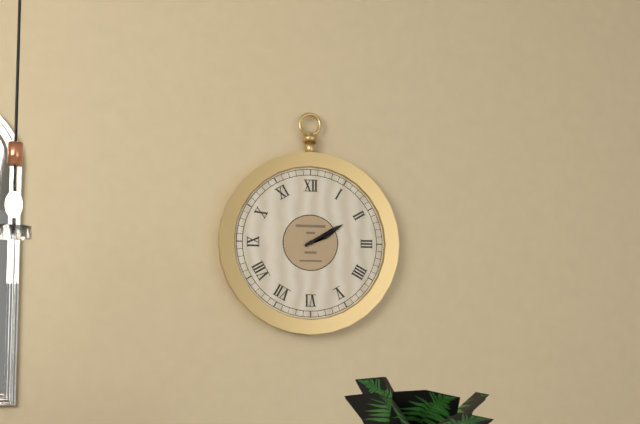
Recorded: 2h10
